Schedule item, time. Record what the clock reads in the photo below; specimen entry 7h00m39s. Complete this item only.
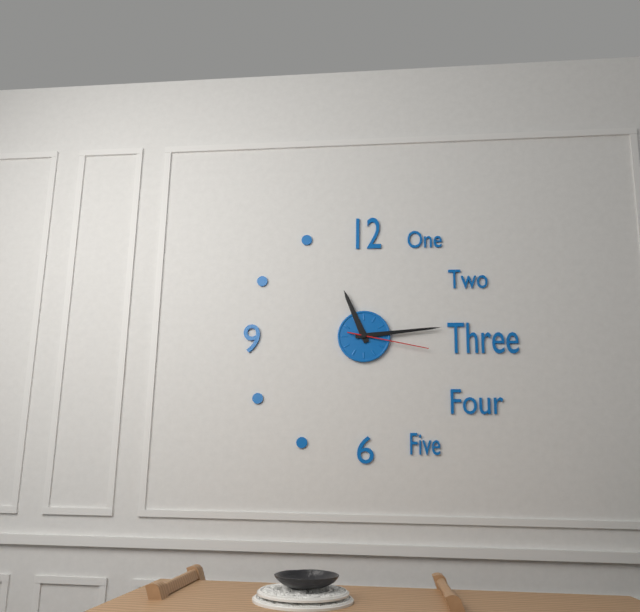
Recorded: 11h14m17s
